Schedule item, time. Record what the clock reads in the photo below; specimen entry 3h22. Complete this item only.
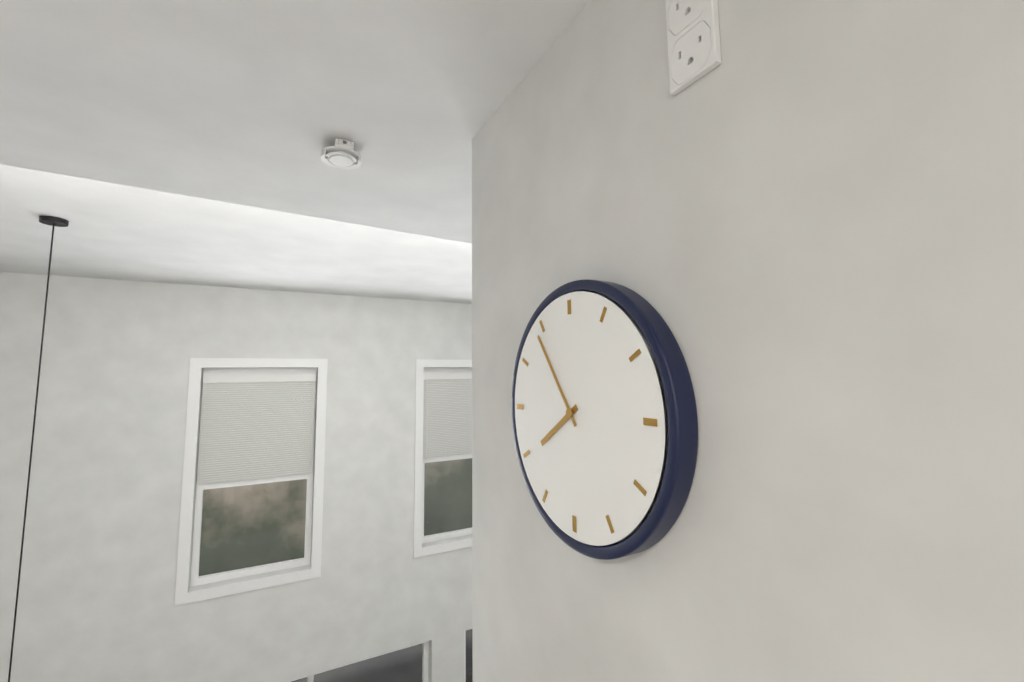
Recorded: 7h54
